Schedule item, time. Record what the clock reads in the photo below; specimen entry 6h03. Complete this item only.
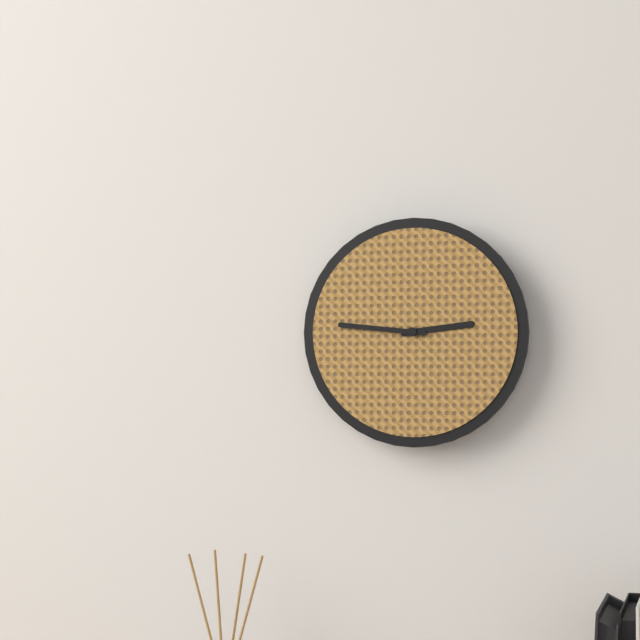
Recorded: 2h46
